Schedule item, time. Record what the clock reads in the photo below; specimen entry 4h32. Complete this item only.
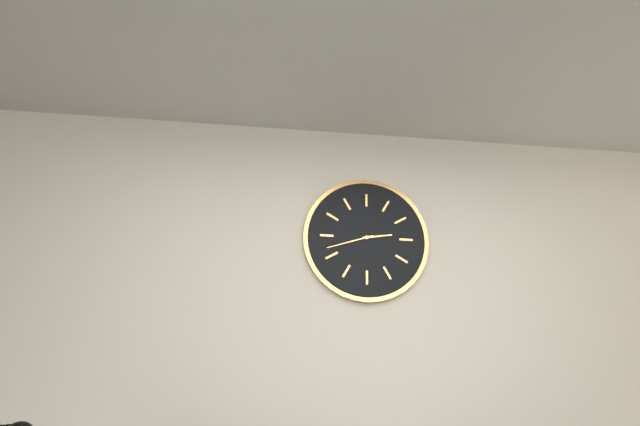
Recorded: 2h42
